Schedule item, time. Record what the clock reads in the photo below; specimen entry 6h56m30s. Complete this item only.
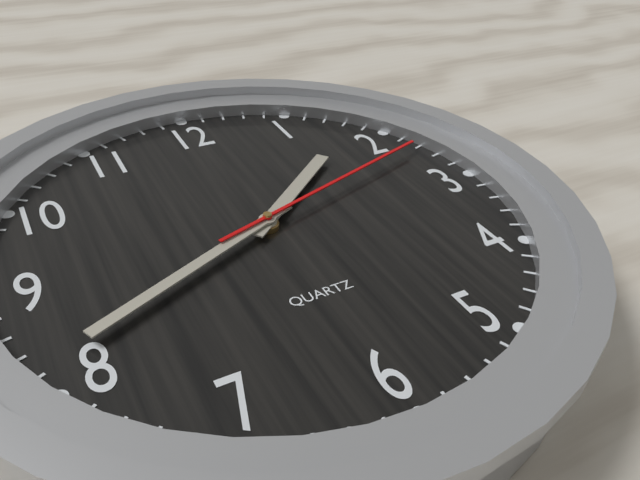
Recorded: 1h41m12s
